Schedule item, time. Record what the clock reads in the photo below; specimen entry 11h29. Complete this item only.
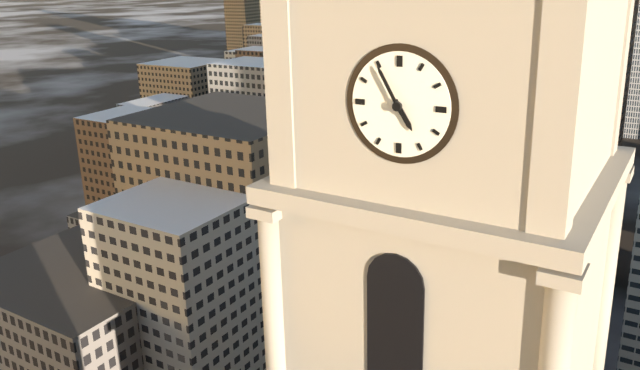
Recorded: 4h55
